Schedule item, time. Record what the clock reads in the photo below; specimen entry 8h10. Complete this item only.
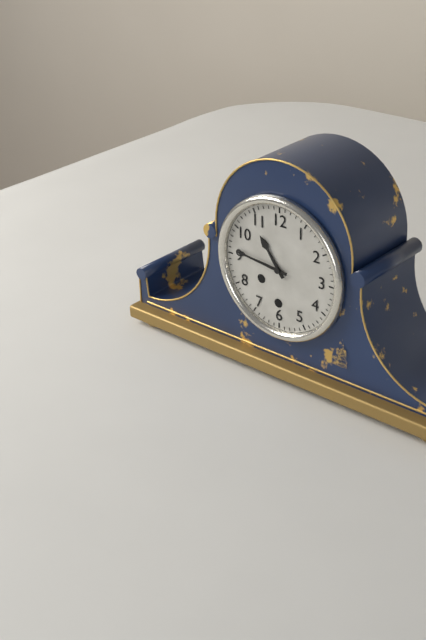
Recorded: 10h46
